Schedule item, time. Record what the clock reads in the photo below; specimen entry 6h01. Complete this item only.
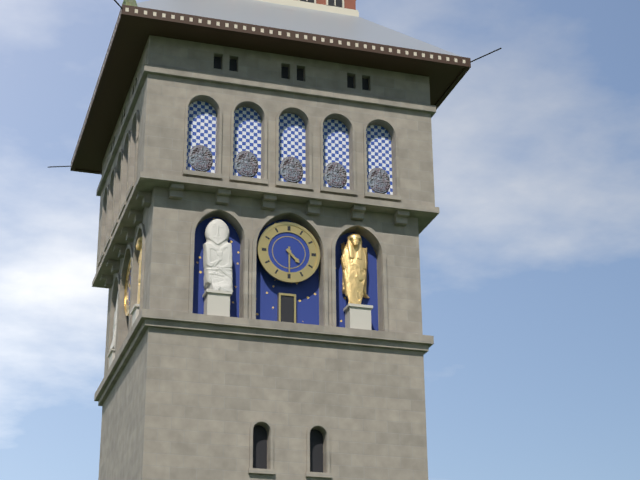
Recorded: 4h30
